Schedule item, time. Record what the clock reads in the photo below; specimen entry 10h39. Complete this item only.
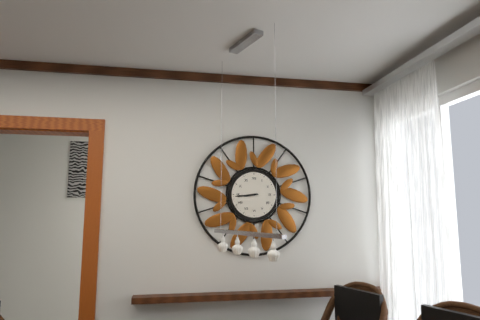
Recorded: 8h44
